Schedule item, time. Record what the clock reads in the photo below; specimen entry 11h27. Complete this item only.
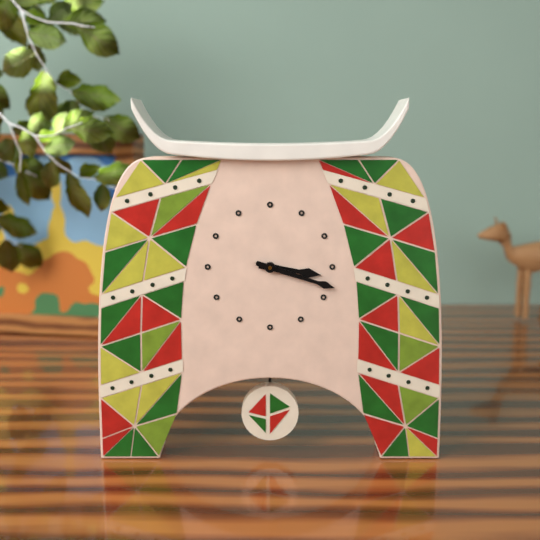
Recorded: 3h18
